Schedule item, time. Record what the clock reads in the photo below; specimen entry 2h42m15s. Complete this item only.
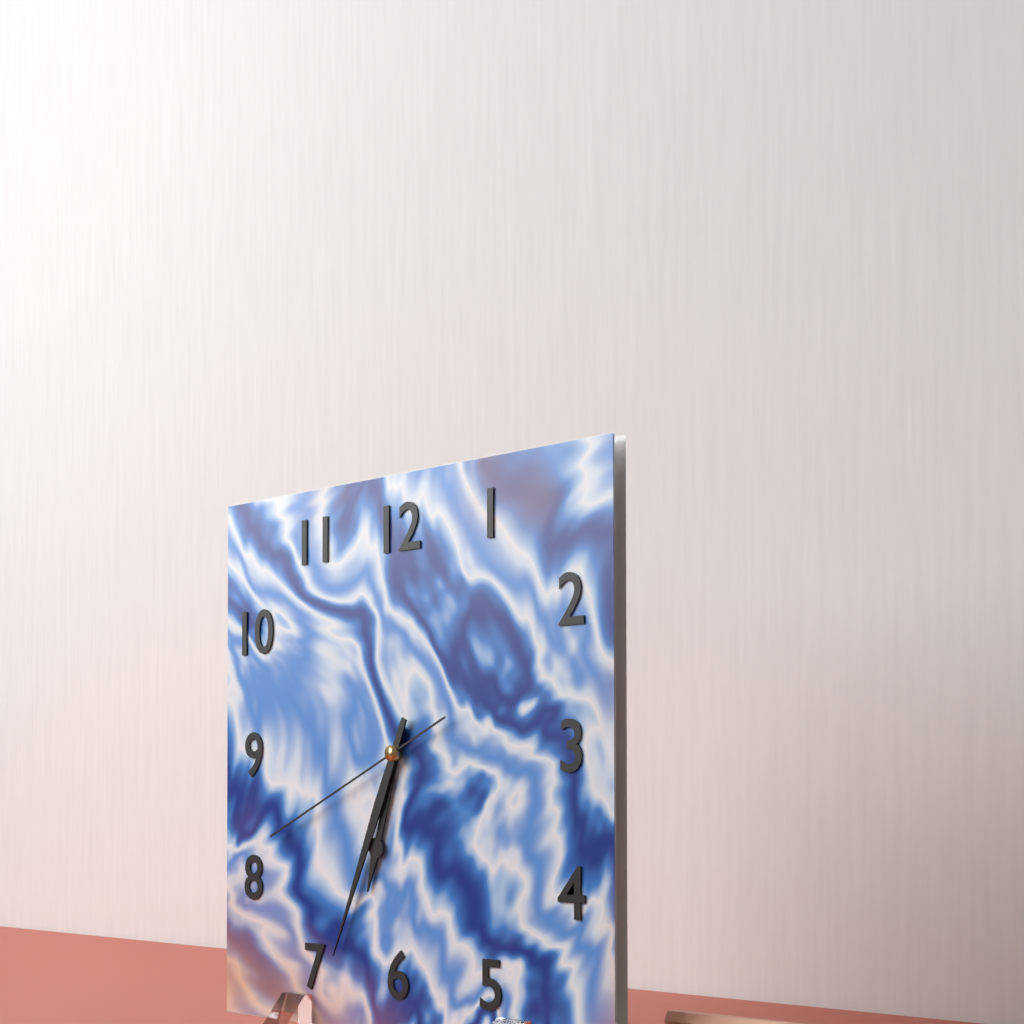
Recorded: 6h34m41s
